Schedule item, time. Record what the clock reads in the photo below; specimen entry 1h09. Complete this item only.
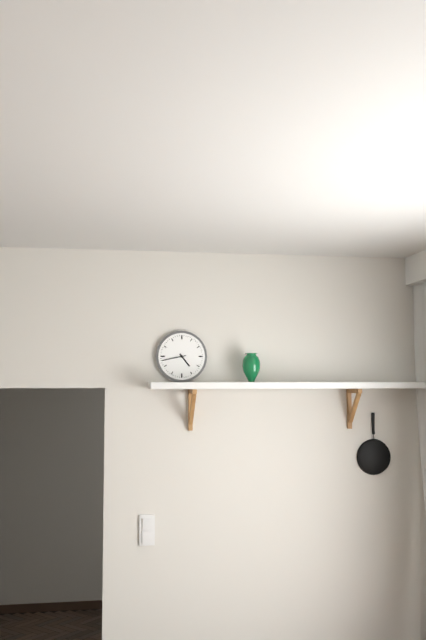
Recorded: 4h43
